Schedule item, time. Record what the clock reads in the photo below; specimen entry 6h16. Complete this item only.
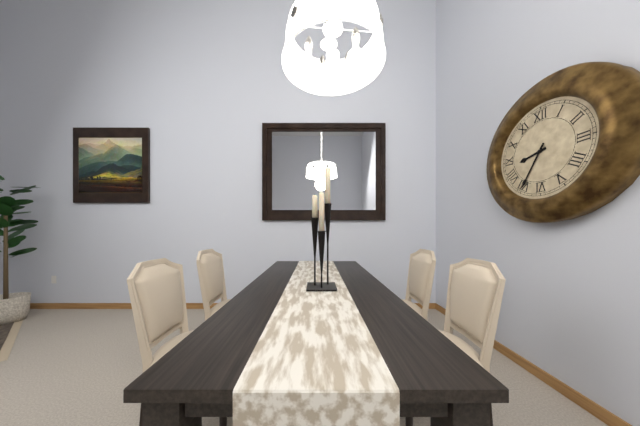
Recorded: 8h35
